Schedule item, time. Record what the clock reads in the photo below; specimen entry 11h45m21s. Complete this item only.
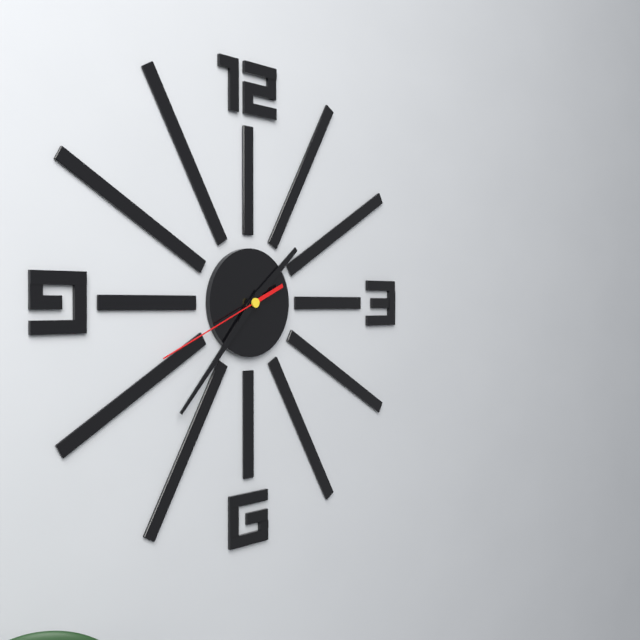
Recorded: 1h37m41s
